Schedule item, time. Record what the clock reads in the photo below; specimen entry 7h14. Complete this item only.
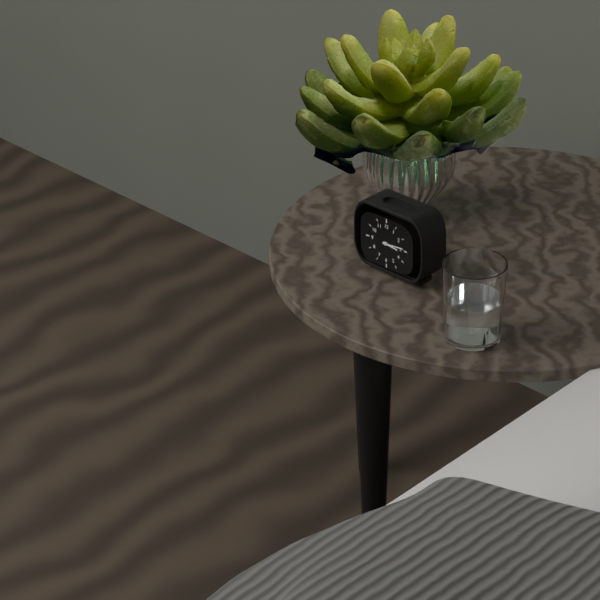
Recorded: 3h14
